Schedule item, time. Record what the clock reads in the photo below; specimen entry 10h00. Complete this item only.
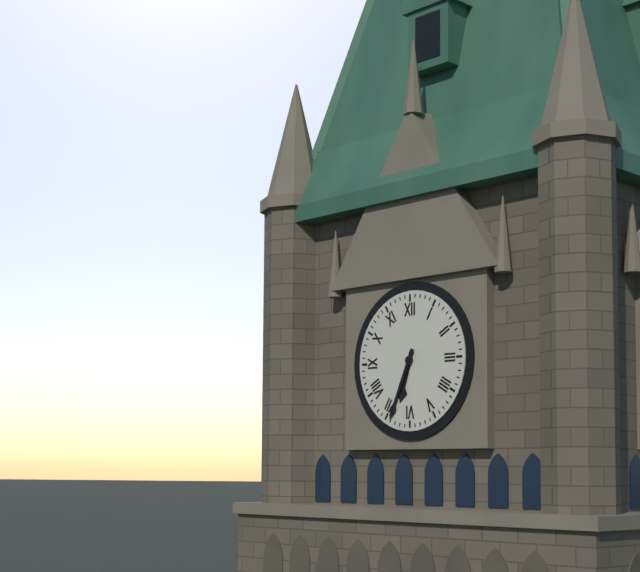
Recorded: 6h34
